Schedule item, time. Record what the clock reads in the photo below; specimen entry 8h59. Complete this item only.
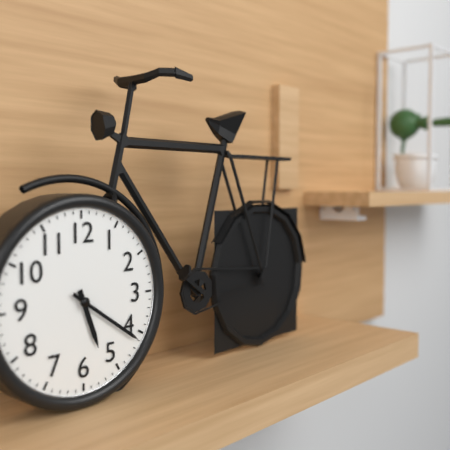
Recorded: 5h21
